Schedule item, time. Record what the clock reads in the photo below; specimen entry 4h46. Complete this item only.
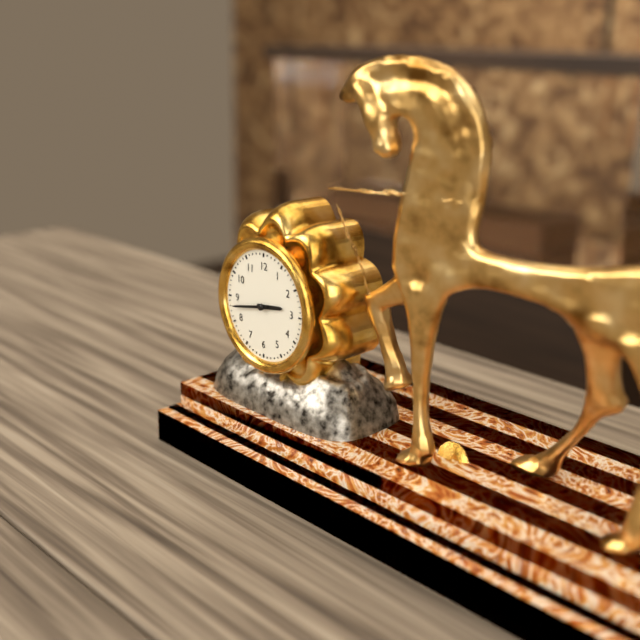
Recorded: 2h43
